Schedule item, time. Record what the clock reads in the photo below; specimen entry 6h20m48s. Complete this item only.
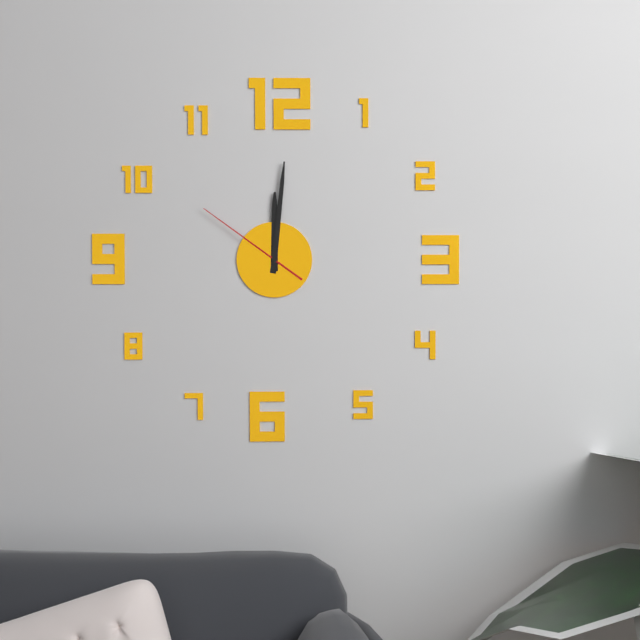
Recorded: 12h01m51s
